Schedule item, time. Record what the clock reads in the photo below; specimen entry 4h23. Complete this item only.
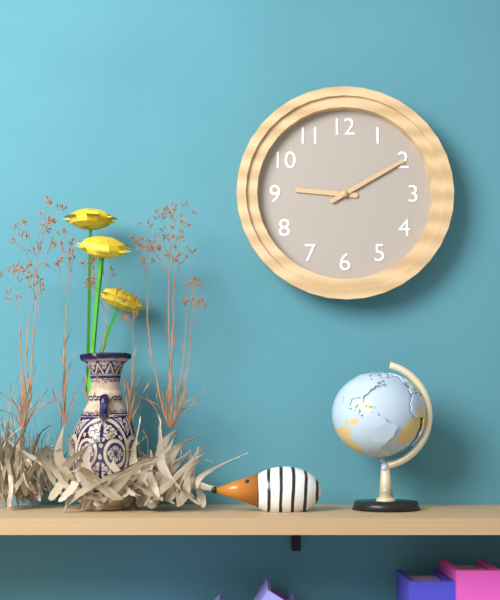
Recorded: 9h10
